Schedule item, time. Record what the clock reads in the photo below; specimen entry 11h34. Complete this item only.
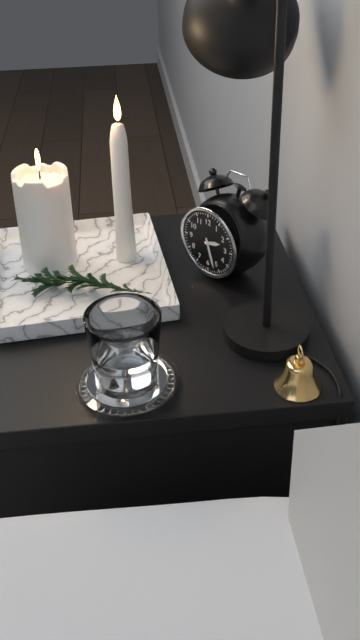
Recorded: 2h27
